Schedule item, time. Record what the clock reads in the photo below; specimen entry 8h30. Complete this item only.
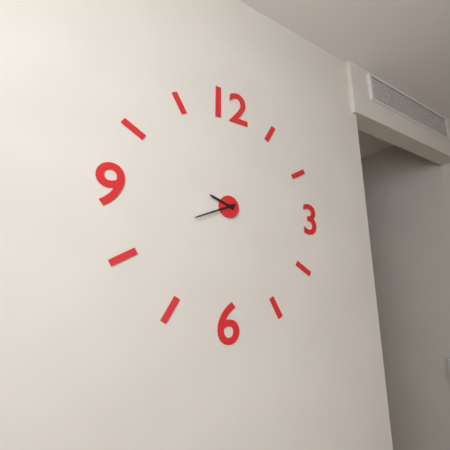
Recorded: 9h41
